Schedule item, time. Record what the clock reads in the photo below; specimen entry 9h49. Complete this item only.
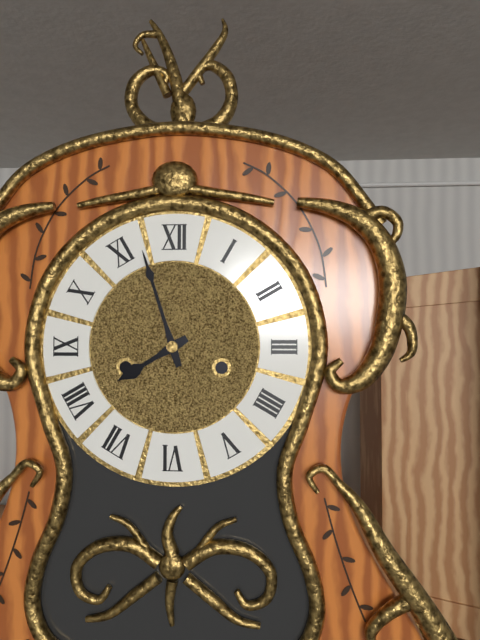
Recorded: 7h57
